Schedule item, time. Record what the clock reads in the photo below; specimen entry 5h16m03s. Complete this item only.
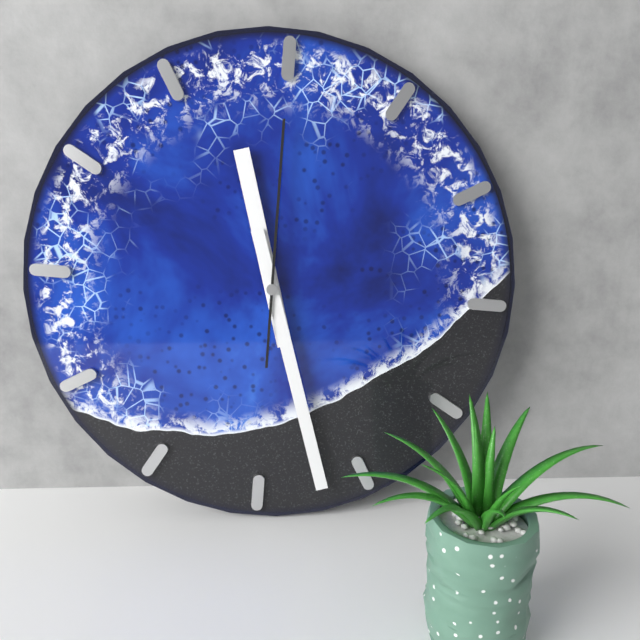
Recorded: 11h27m00s
